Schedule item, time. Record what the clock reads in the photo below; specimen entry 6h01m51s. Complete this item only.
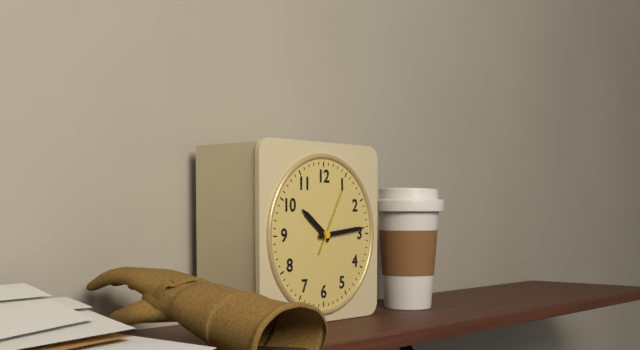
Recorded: 10h14m05s
